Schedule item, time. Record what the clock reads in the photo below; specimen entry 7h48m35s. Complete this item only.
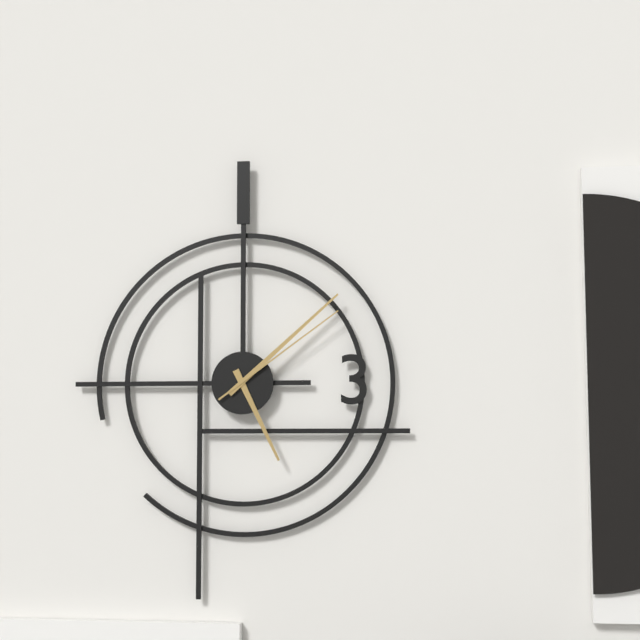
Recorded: 5h08m09s
